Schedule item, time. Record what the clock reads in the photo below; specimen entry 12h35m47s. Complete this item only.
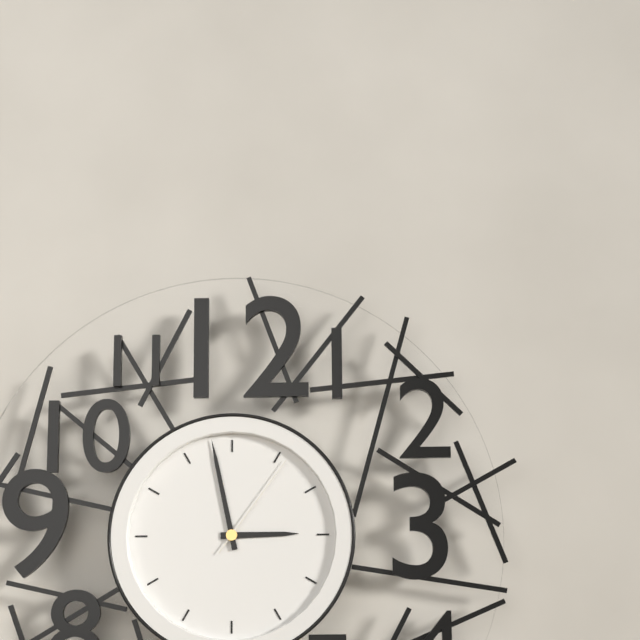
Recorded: 2h58m06s
